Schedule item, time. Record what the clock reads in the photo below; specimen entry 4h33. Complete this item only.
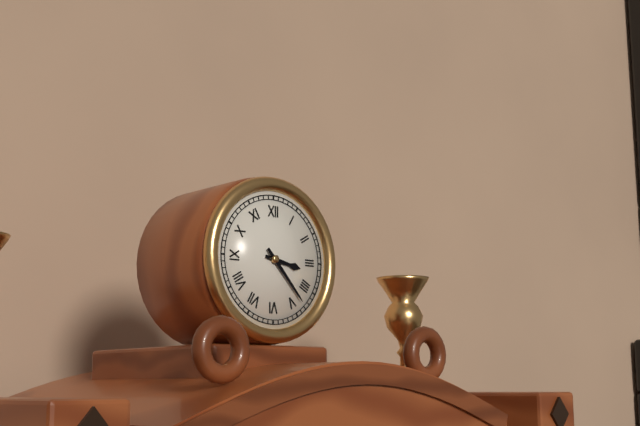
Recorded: 3h23
